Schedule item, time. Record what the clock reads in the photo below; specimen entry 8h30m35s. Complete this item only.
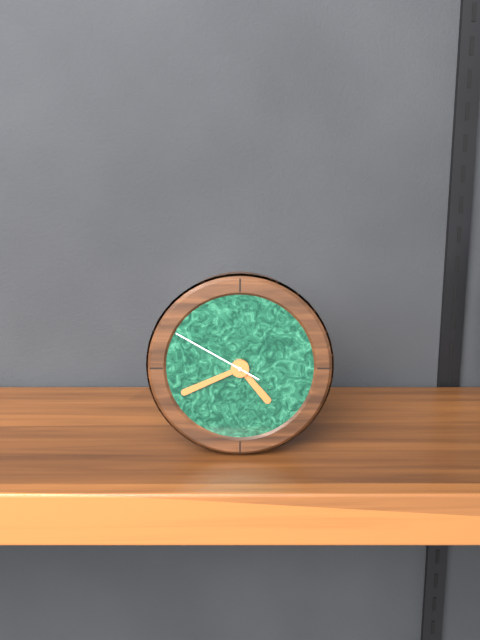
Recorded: 4h41m50s
